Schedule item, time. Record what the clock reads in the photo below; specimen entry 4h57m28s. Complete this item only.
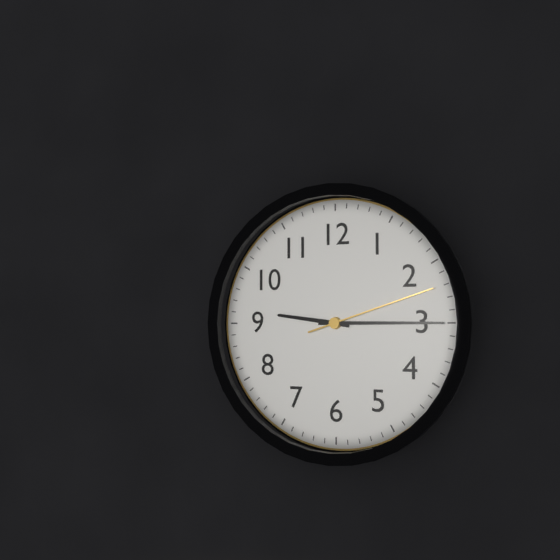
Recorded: 9h15m12s
